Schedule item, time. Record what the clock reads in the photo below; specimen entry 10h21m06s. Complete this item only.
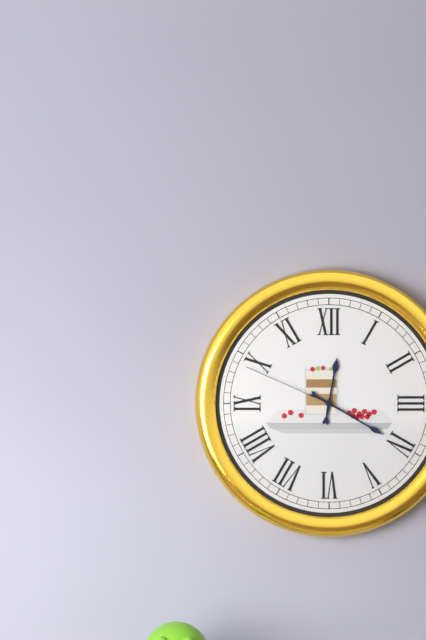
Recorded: 12h20m49s
